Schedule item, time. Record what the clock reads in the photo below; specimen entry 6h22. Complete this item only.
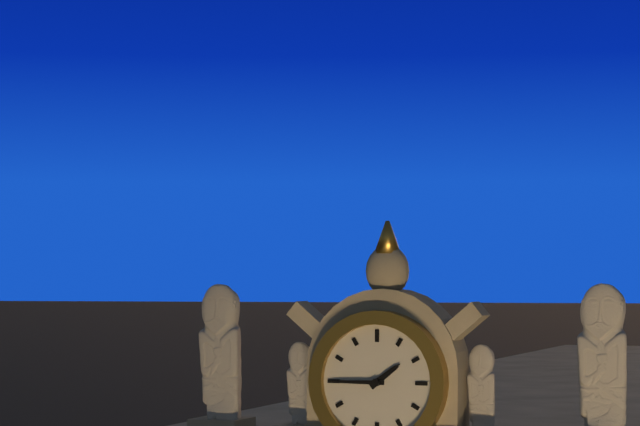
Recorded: 1h45
